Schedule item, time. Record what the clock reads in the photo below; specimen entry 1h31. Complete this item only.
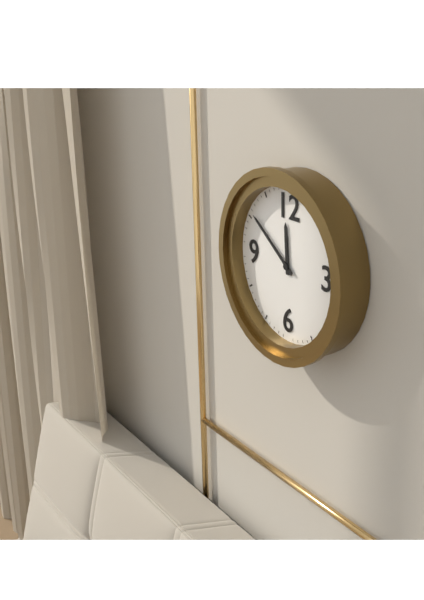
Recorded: 11h51
